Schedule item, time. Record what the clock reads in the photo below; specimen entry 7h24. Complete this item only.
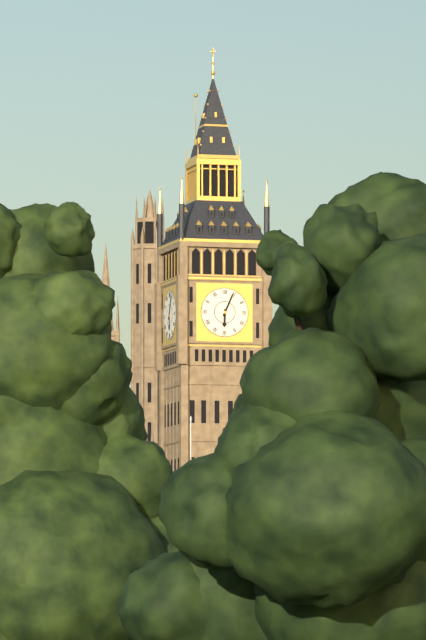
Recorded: 6h04
